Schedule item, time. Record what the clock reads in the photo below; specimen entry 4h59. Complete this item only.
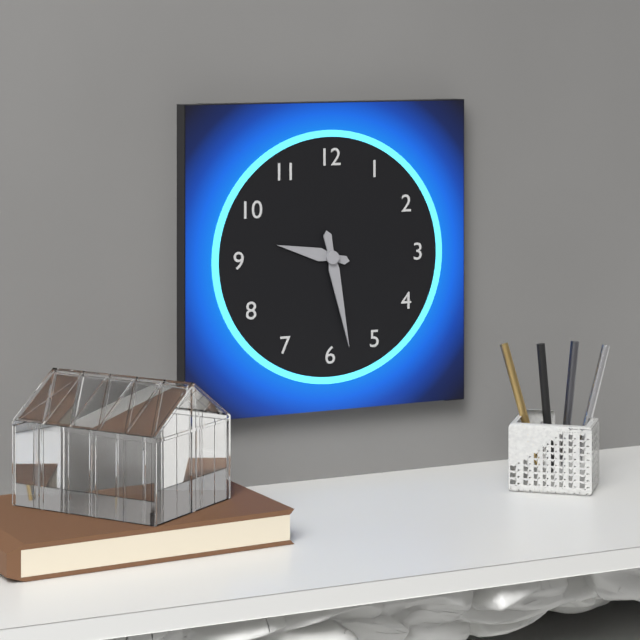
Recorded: 9h28
